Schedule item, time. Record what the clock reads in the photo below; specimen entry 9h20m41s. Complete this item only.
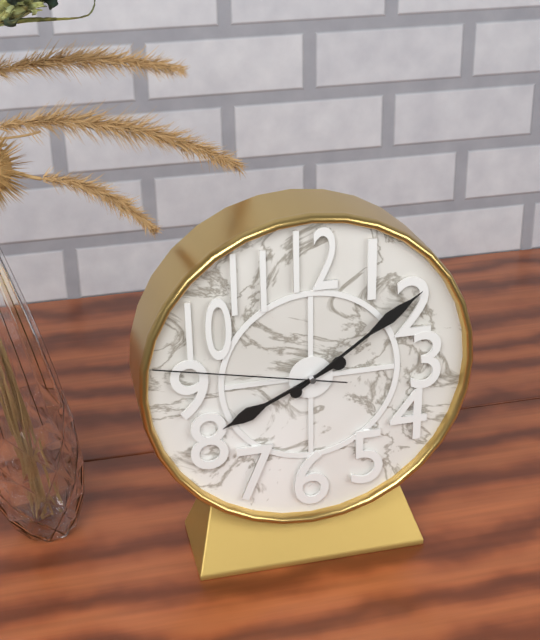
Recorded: 8h09m47s
